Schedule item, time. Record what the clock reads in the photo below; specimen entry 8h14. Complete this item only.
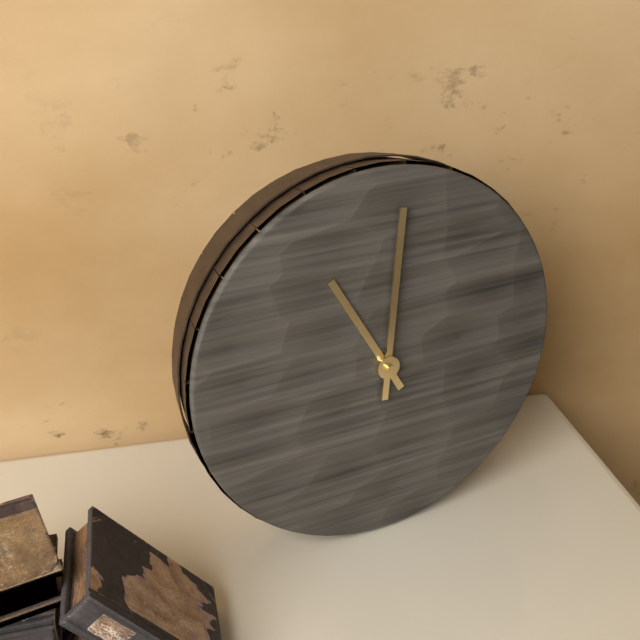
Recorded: 11h01
